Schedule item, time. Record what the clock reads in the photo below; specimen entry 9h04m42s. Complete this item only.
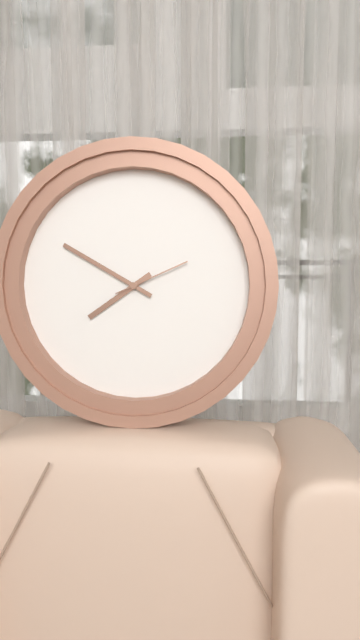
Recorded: 7h50m11s
